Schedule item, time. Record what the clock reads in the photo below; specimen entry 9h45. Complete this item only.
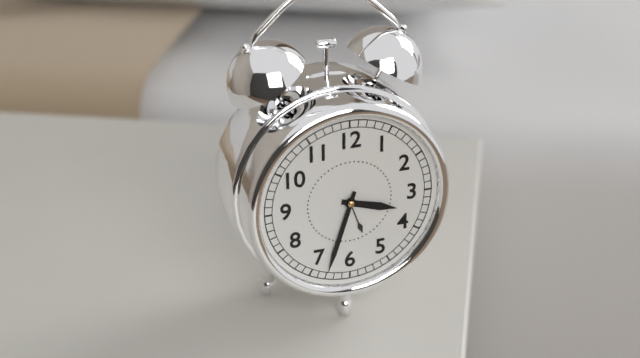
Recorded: 3h33
